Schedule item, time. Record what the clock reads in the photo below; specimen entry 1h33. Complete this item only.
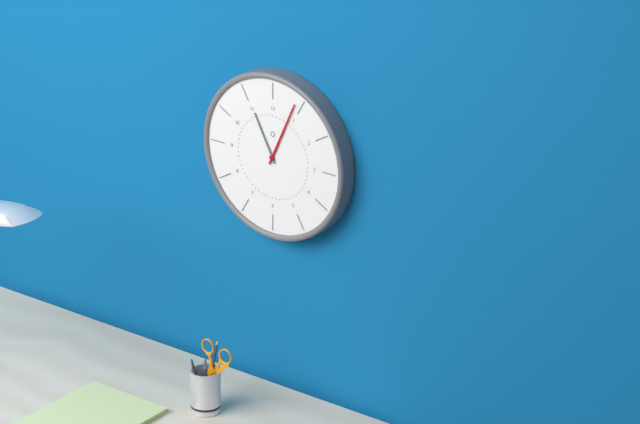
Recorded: 11h04
